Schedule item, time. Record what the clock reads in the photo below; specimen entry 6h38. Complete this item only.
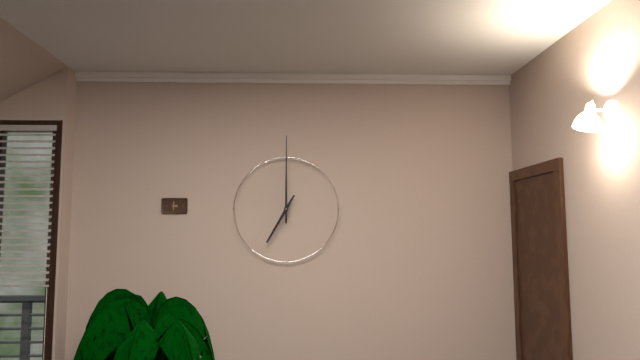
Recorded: 7h00
